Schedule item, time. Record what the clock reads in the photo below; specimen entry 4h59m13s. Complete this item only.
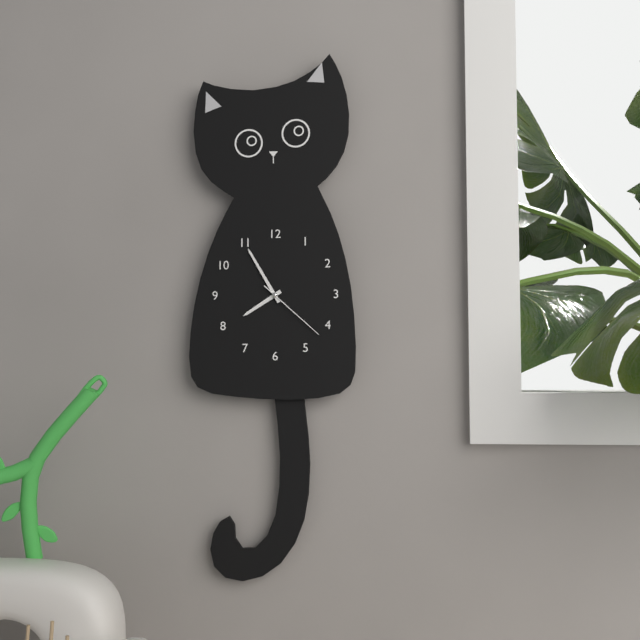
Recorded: 7h55m22s
